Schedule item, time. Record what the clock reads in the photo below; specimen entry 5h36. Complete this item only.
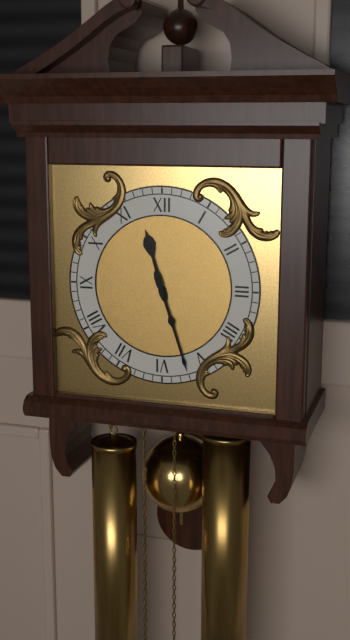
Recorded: 11h27
